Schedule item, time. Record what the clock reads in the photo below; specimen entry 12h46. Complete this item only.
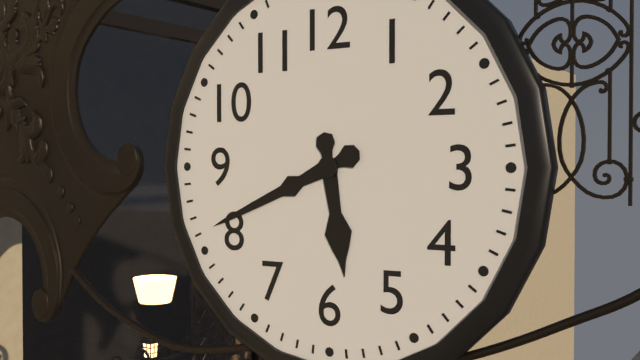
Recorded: 5h41
